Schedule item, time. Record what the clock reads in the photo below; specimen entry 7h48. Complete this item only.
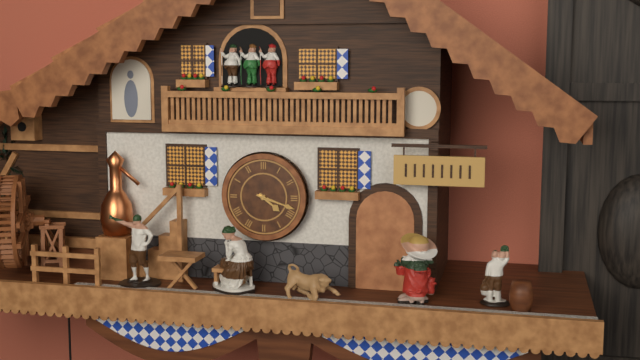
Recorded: 4h18
